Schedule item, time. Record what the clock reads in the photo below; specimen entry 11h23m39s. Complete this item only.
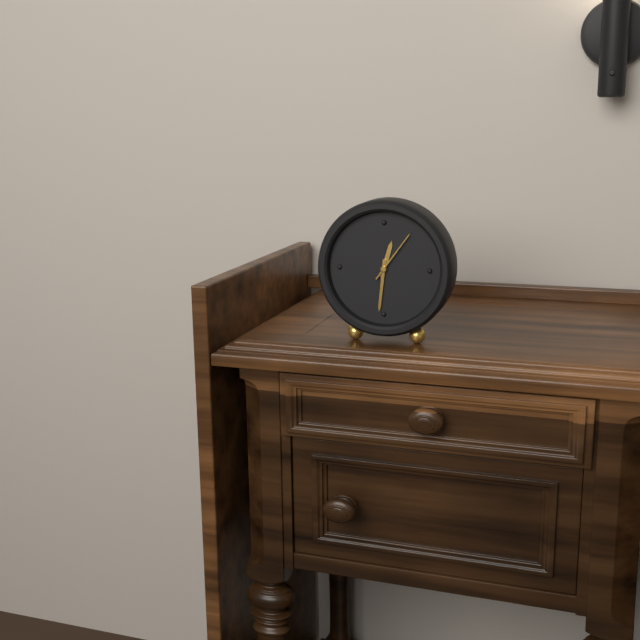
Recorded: 12h31m06s
